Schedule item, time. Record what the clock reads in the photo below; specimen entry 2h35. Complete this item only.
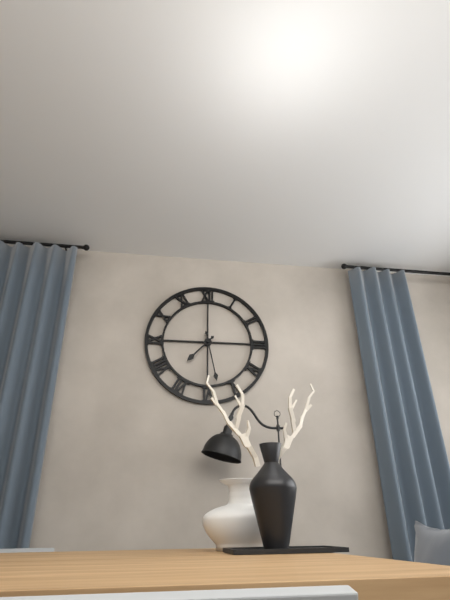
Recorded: 7h28
